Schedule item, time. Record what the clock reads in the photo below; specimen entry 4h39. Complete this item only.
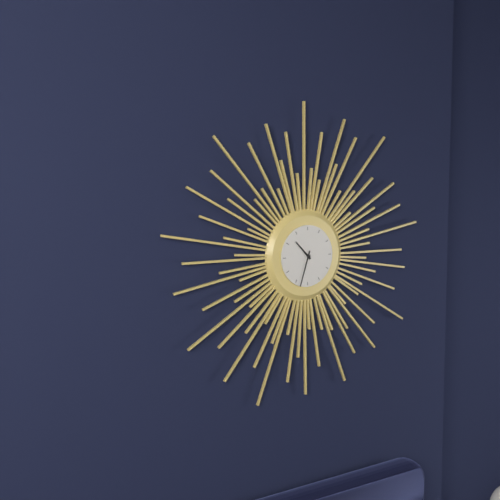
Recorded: 10h33
